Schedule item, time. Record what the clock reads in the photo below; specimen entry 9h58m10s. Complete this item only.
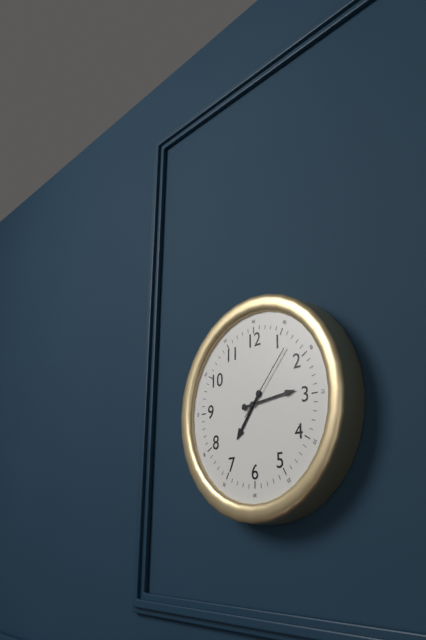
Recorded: 7h14m07s
